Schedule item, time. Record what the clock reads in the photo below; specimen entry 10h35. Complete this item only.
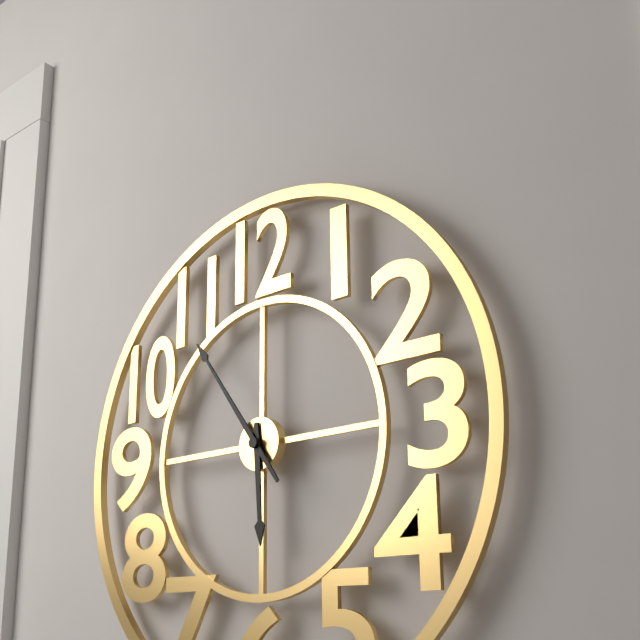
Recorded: 5h54
